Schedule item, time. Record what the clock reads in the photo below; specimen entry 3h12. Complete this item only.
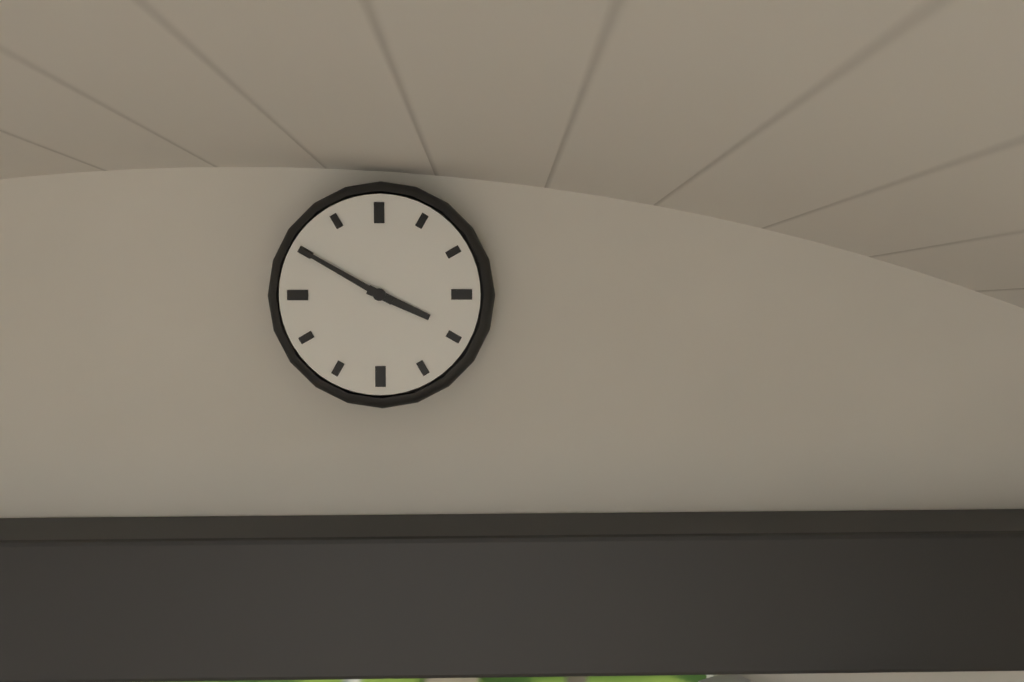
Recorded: 3h50
